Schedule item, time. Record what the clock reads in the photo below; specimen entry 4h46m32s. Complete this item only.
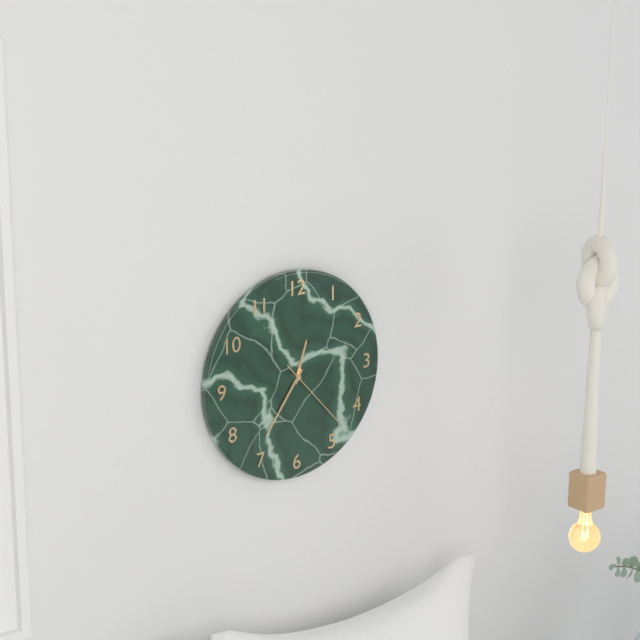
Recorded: 12h36m23s
